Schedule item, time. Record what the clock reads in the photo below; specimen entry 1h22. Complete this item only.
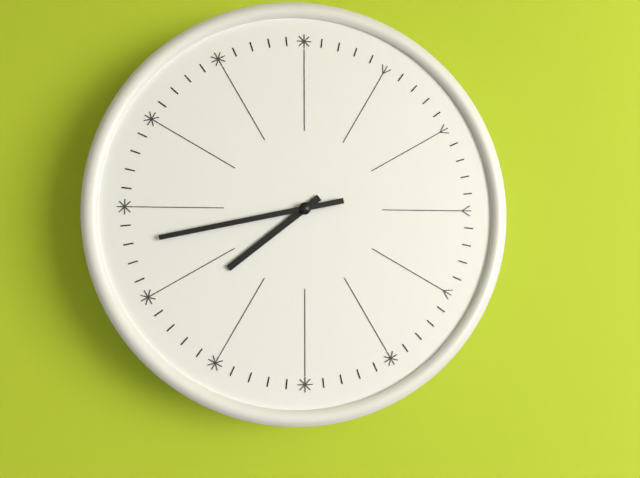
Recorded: 7h43
